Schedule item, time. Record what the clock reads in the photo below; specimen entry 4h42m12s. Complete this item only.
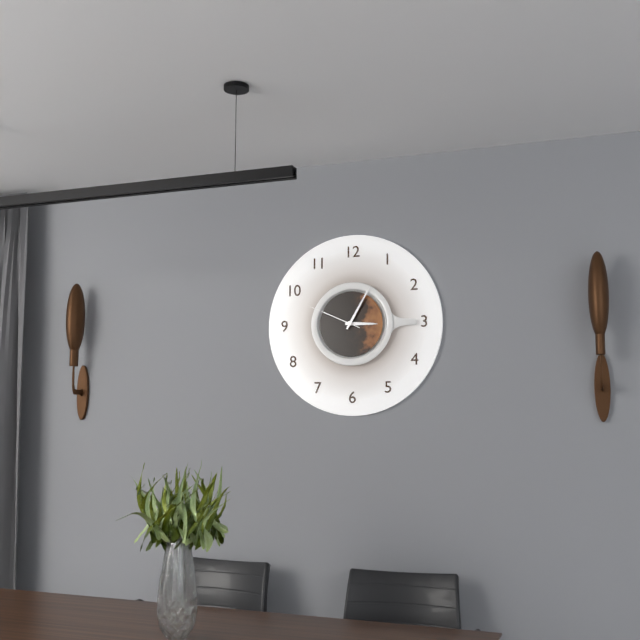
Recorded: 3h05m49s
